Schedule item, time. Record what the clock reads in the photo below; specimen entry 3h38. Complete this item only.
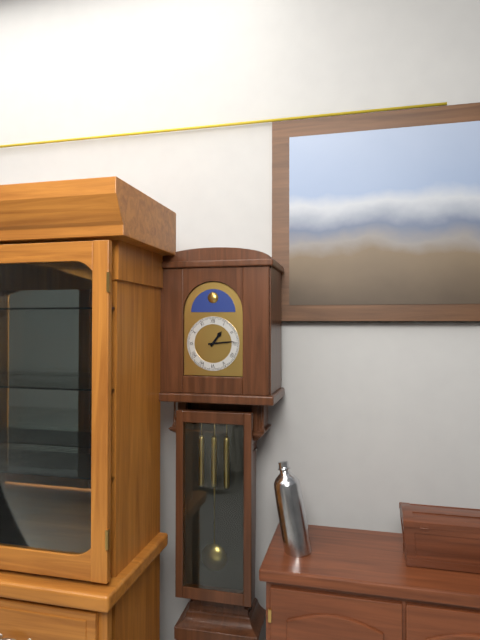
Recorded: 1h14
